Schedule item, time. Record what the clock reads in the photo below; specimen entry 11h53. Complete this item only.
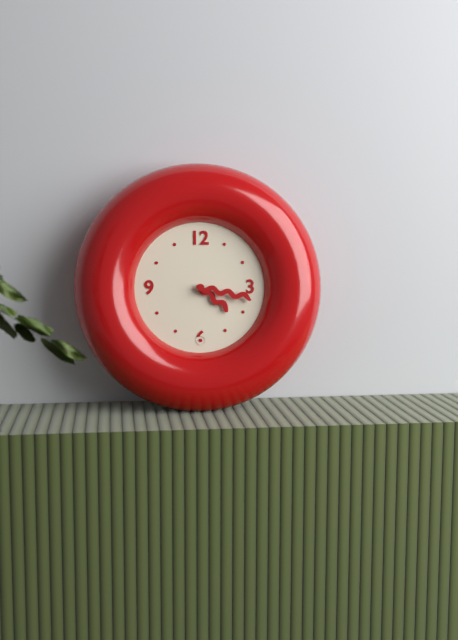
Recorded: 4h17
